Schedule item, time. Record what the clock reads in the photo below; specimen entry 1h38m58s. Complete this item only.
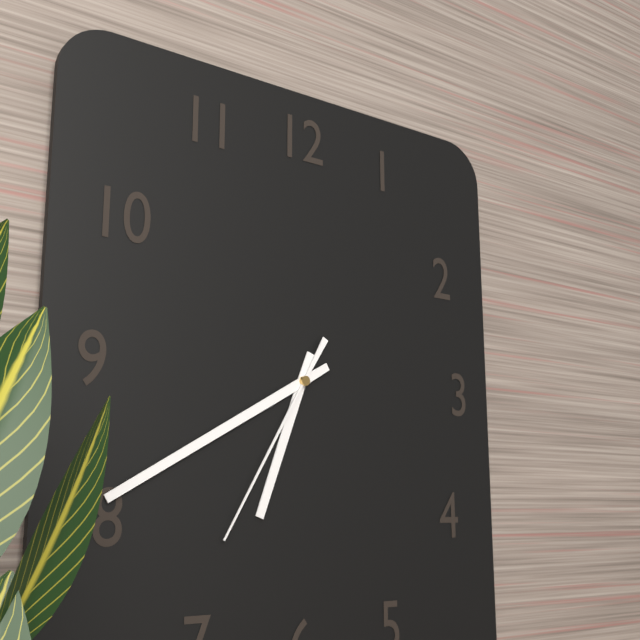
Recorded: 6h40m35s
